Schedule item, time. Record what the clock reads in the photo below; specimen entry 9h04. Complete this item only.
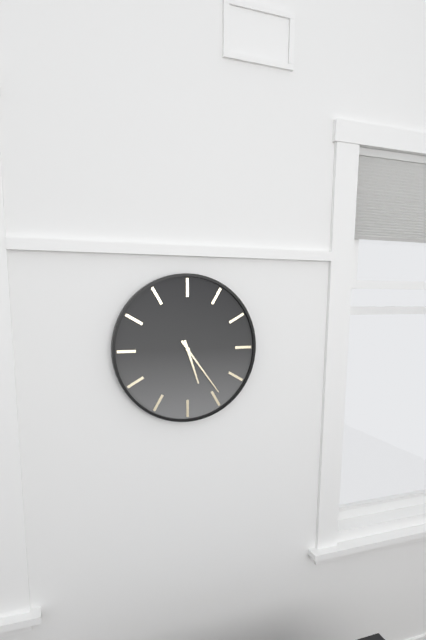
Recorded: 5h24
